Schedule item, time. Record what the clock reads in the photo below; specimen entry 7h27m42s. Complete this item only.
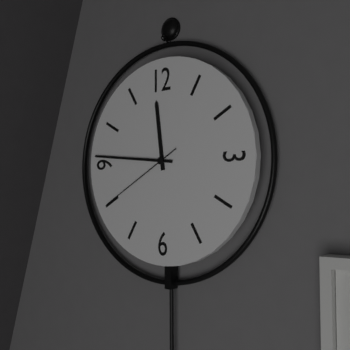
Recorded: 11h46m40s
